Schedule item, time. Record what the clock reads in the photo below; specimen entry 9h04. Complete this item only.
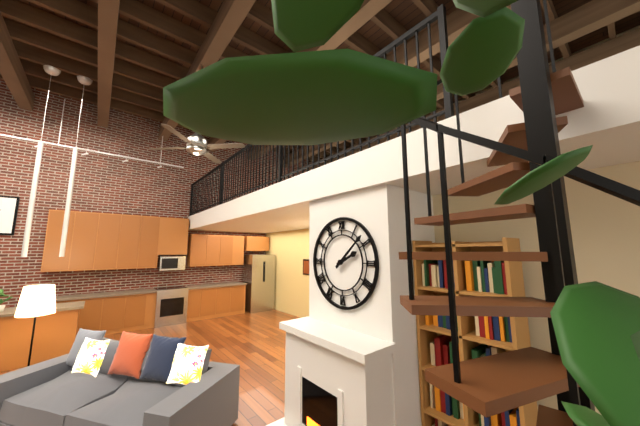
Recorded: 2h08
